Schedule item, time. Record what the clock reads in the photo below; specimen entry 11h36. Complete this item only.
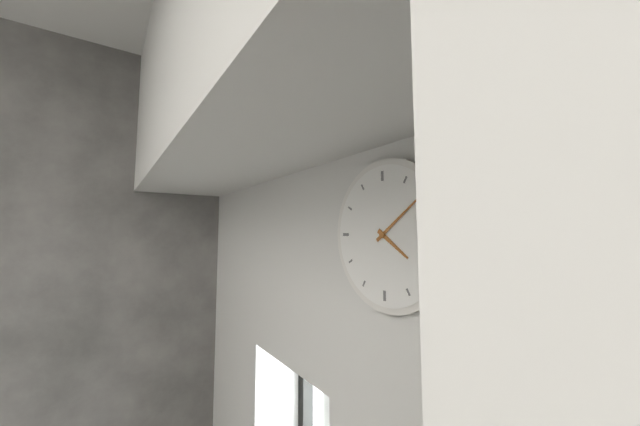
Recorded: 4h09
